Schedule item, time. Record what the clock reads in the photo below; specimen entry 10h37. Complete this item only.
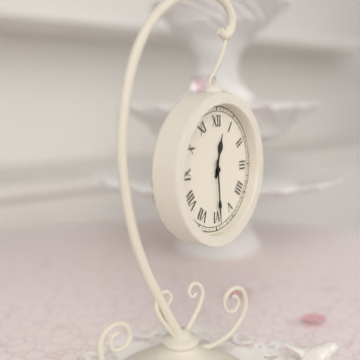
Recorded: 12h29
